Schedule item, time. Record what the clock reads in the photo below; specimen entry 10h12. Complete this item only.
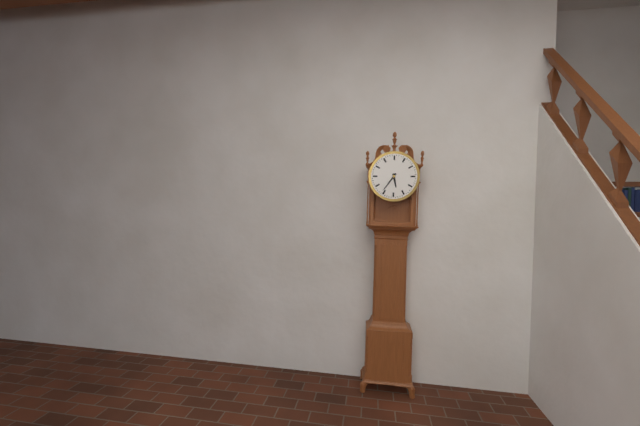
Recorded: 5h36
